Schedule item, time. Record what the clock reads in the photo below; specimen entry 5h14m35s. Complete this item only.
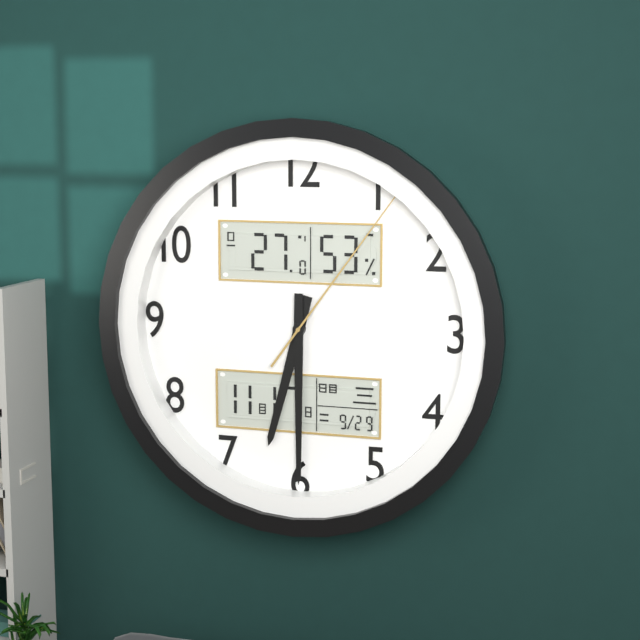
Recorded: 6h30m06s
